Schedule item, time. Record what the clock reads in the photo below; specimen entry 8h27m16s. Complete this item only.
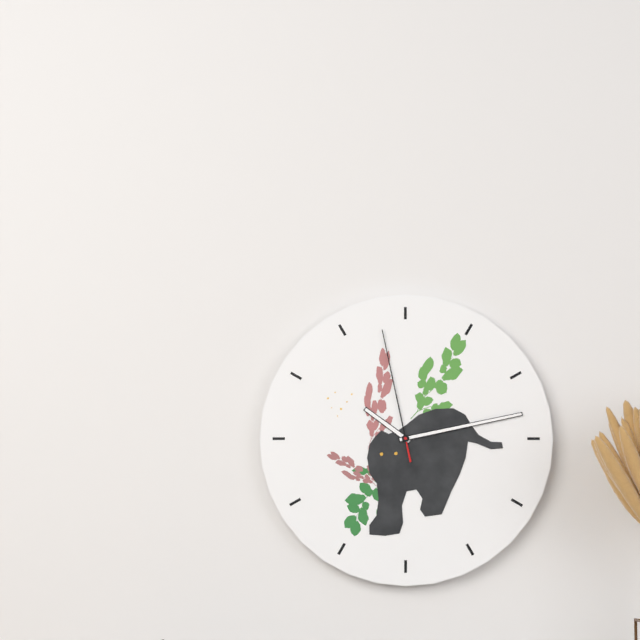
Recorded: 10h13m58s
